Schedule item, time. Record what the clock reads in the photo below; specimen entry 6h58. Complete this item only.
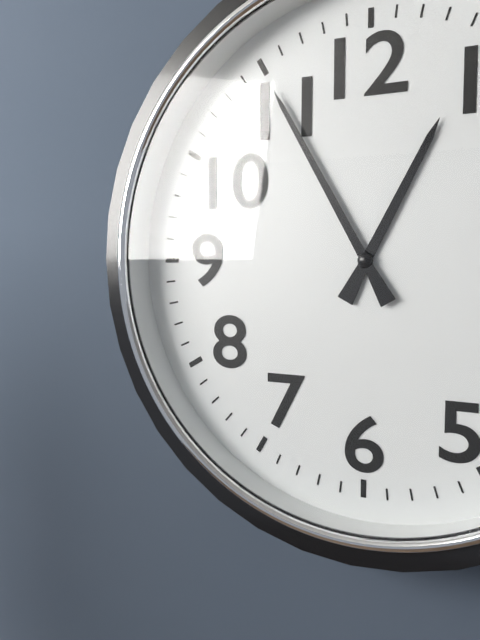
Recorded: 12h55
